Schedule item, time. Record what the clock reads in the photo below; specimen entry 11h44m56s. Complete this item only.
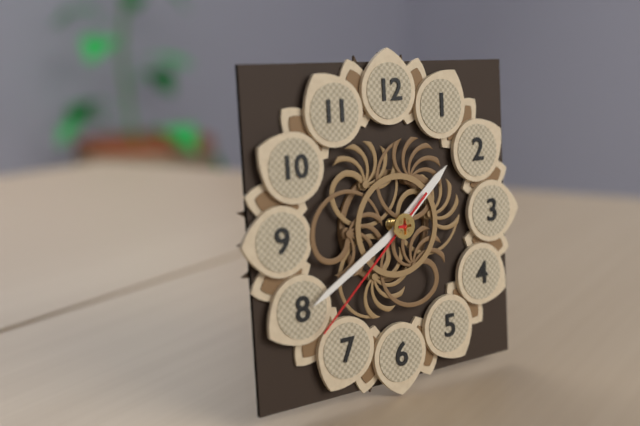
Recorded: 1h40m38s
